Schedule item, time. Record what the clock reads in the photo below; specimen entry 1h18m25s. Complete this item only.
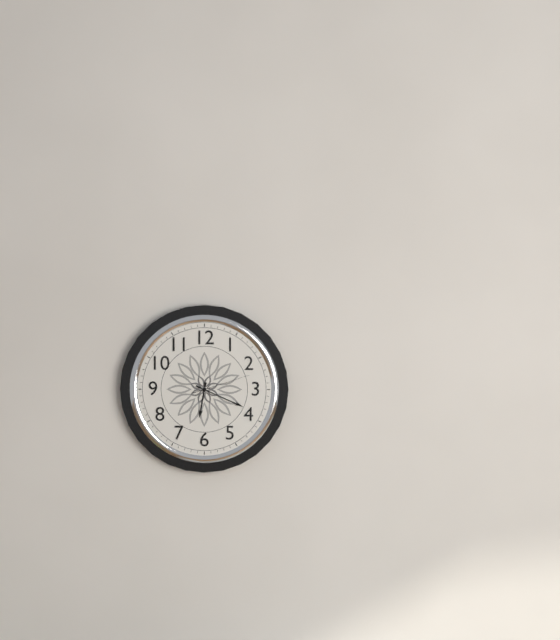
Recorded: 6h19m12s
